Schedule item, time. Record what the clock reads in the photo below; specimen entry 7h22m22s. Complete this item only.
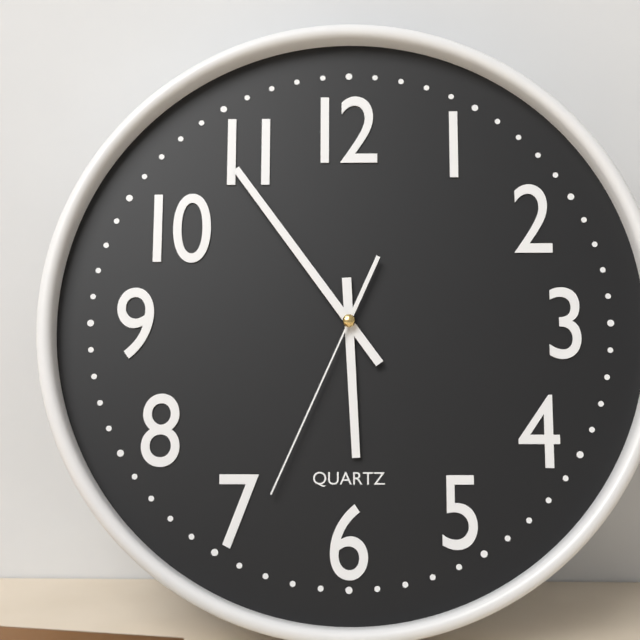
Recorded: 5h54m34s
